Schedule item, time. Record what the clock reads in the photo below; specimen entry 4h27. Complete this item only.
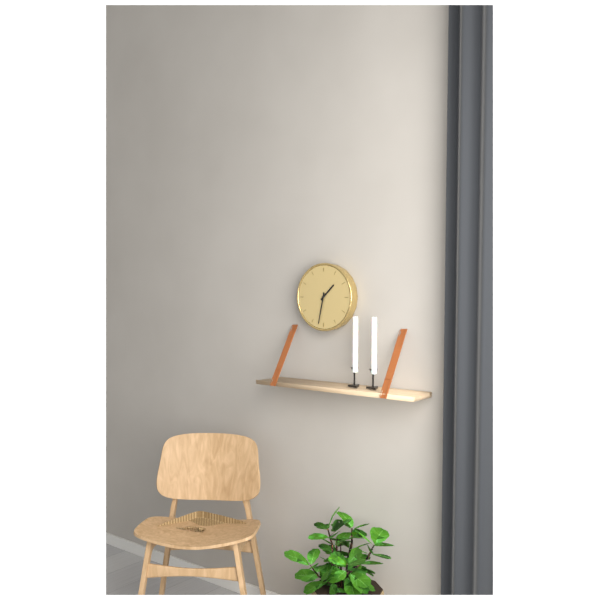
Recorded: 1h32
